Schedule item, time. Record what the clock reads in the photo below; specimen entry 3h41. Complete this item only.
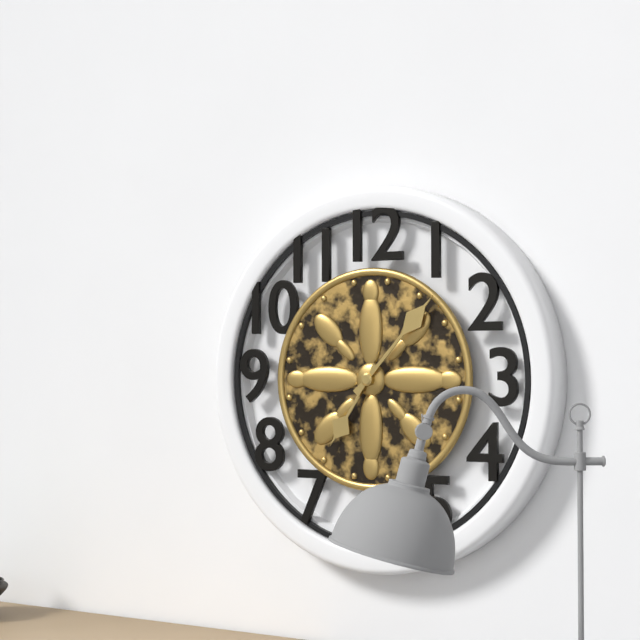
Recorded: 7h07
